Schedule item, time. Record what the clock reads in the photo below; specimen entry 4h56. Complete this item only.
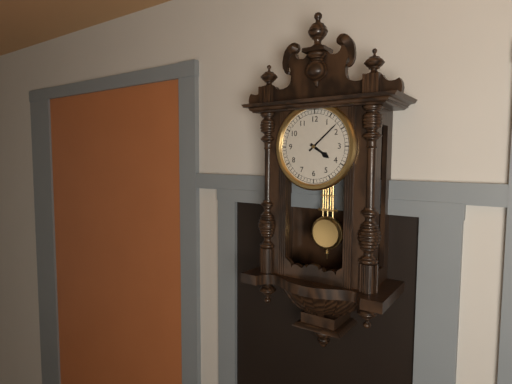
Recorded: 4h08
